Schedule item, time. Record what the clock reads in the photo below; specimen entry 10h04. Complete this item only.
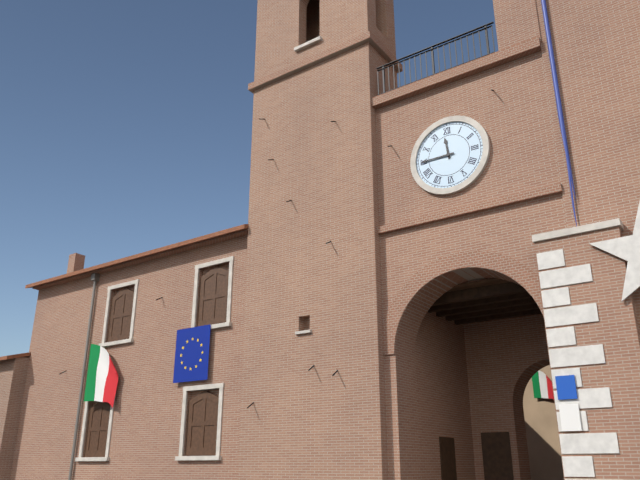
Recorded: 11h45
